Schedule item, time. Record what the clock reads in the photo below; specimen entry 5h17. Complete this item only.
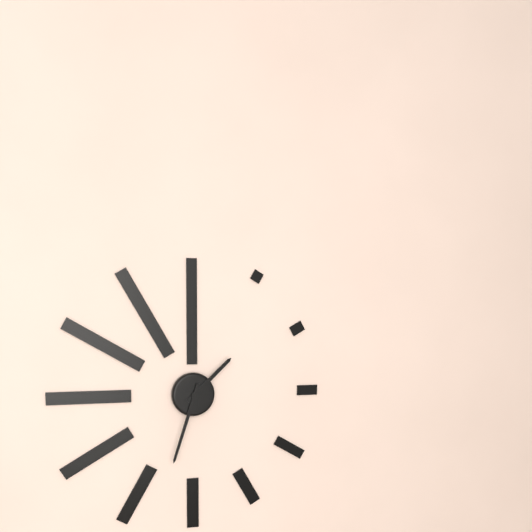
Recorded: 1h33
